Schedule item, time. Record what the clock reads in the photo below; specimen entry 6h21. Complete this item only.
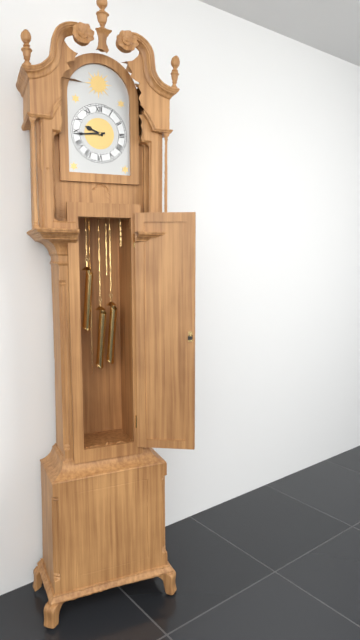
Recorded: 9h44
